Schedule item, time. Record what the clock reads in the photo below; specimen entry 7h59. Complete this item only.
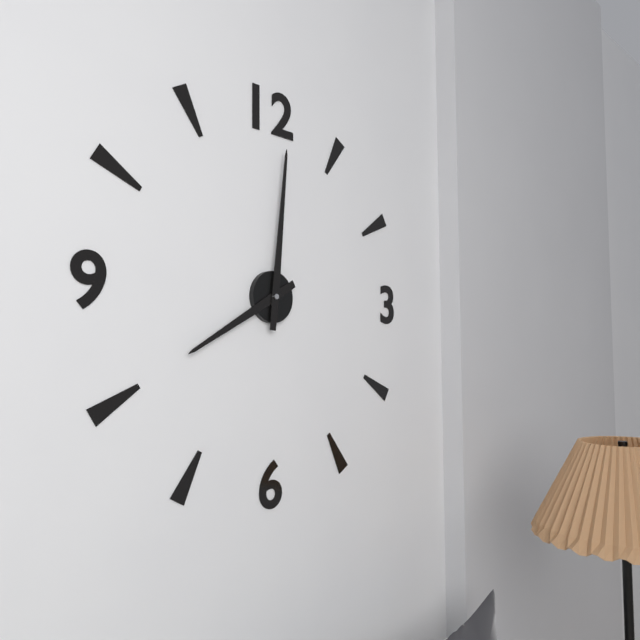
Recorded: 8h01
